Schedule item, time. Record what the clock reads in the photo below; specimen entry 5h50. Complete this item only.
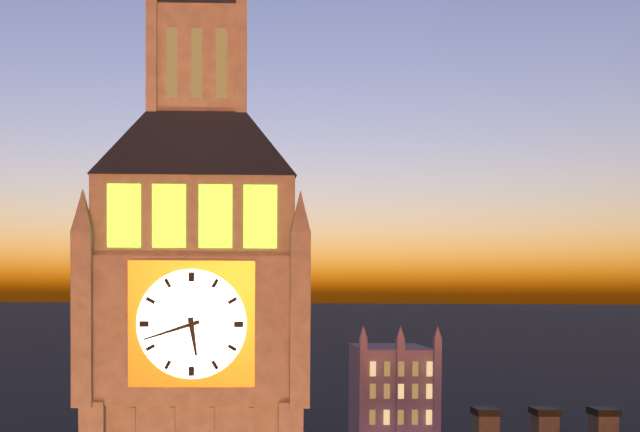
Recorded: 5h42
